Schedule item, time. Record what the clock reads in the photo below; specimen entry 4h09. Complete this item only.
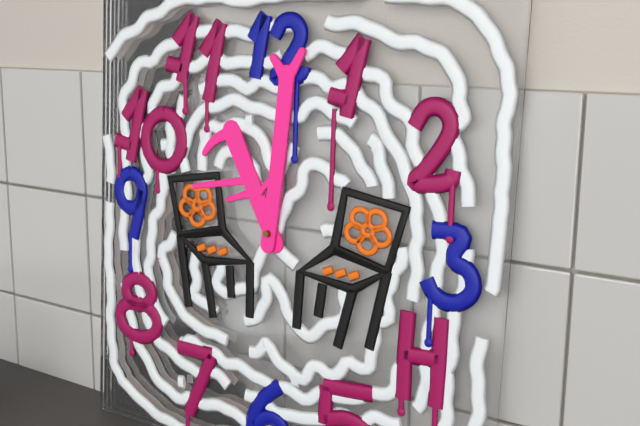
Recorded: 11h01
